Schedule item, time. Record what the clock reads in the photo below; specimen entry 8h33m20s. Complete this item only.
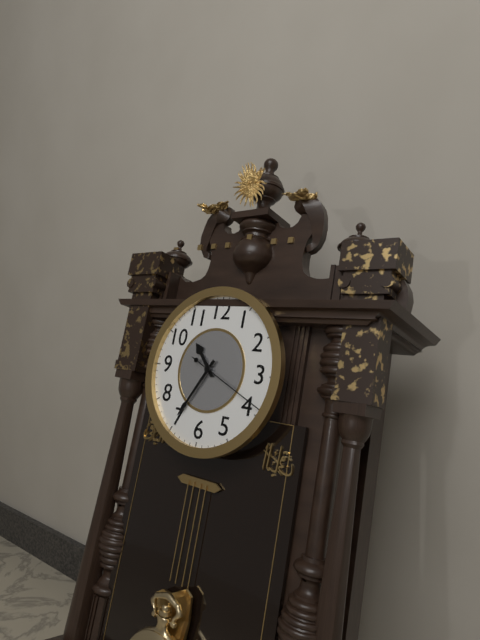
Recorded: 10h35m19s
